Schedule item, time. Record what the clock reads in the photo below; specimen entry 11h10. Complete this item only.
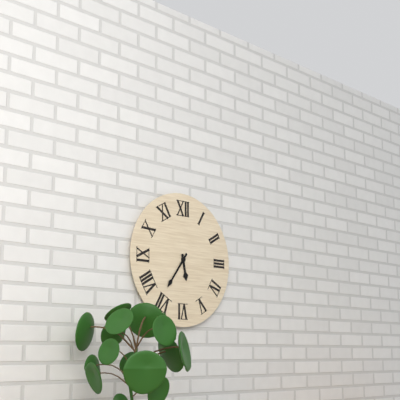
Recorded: 5h36
